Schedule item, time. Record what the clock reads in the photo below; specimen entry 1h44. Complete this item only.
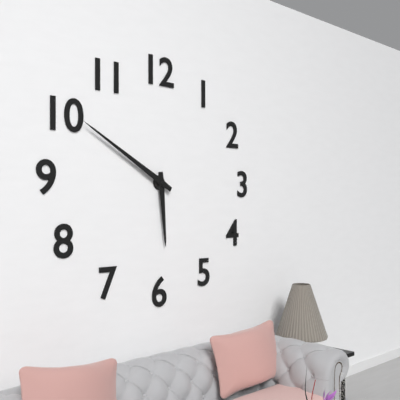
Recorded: 5h50
